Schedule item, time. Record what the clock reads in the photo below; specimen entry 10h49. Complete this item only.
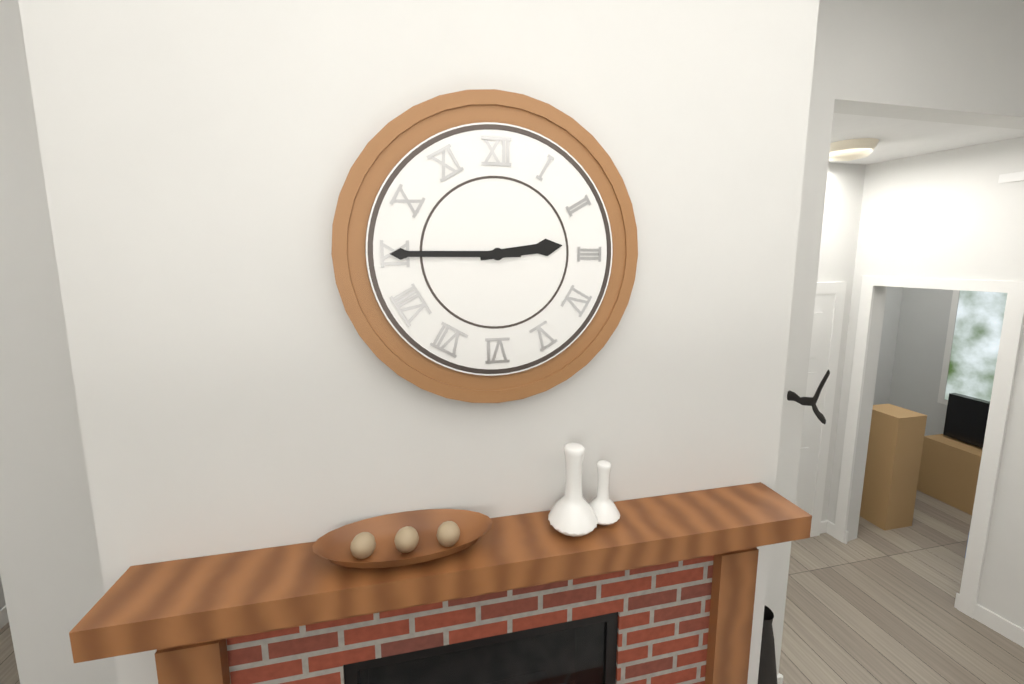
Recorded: 2h45
